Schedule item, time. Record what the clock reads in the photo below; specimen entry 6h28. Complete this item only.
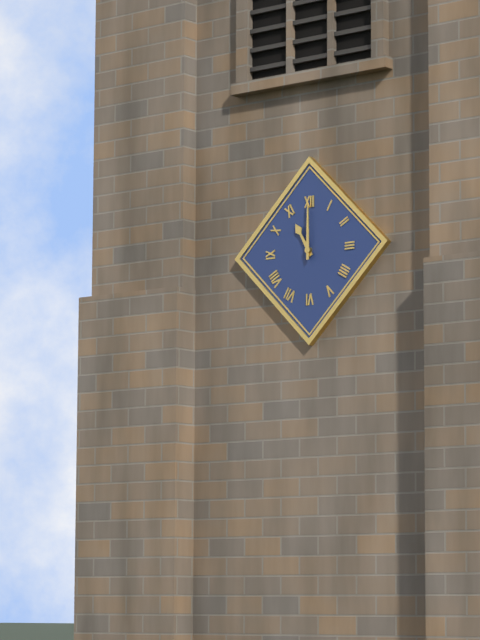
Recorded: 11h00
